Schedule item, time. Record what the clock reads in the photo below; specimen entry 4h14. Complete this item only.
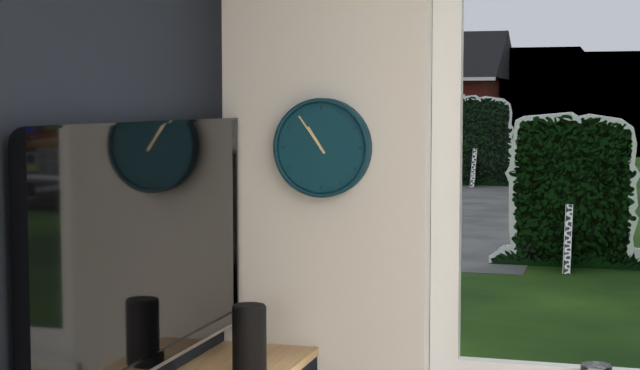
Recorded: 10h54
